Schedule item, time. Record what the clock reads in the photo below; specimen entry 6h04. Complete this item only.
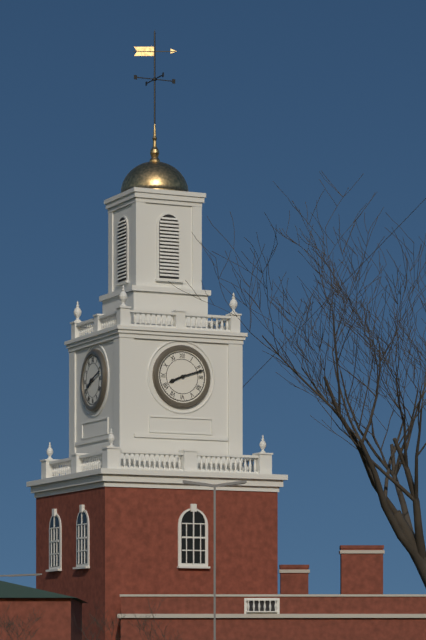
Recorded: 8h12
